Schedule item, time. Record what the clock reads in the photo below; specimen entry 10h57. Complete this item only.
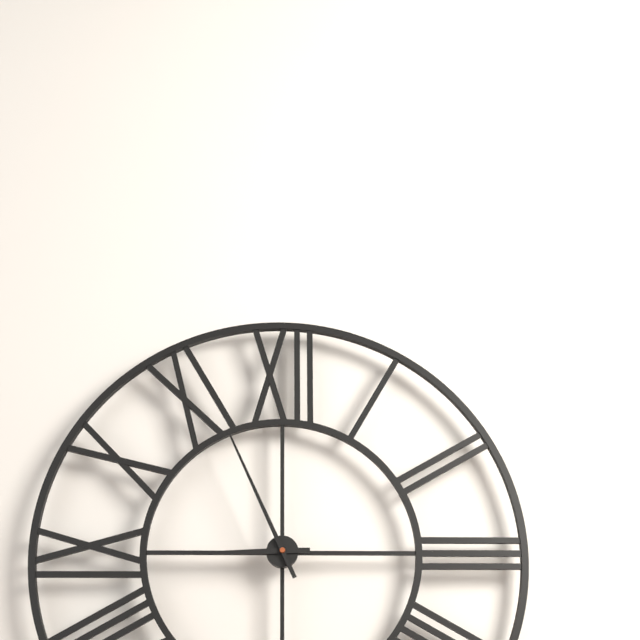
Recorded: 8h56
